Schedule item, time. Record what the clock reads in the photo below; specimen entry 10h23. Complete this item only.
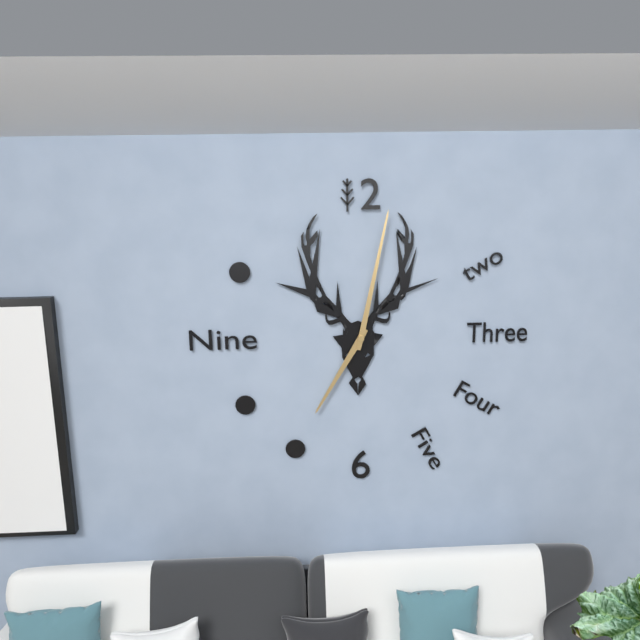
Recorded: 7h02
